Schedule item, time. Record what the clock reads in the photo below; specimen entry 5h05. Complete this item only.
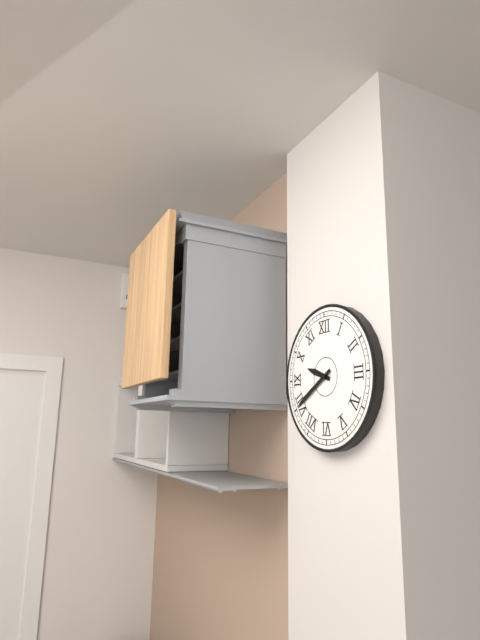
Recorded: 9h40
